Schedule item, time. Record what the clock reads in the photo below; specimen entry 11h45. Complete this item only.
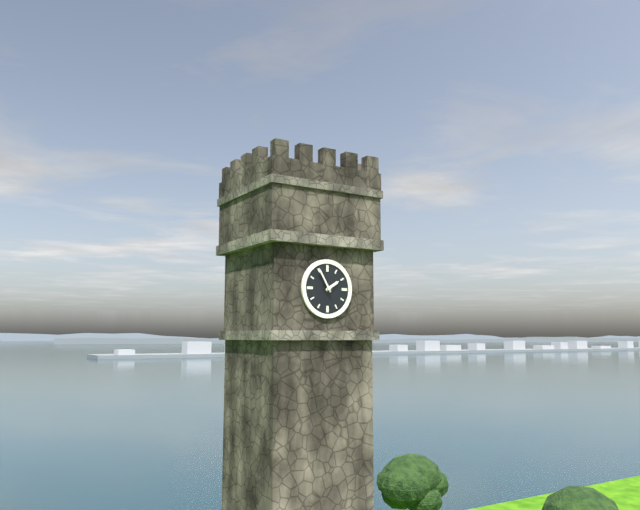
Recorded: 1h55
